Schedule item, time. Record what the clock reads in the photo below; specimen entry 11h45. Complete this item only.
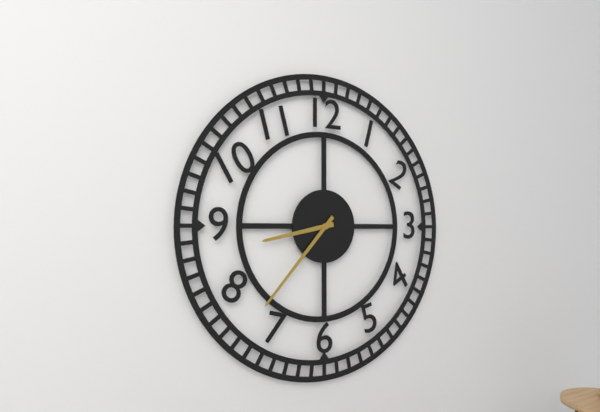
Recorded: 8h37
